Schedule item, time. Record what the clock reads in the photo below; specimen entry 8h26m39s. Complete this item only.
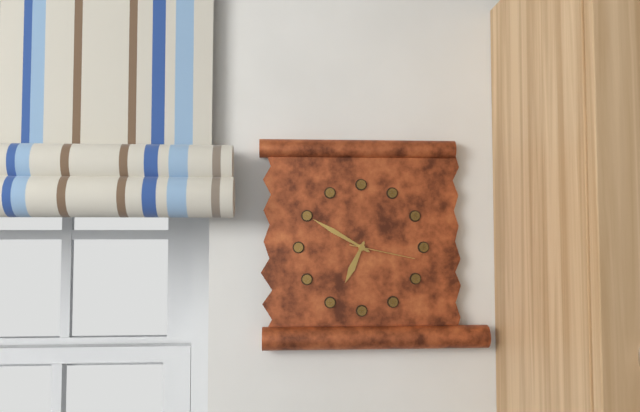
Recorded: 6h50m17s
